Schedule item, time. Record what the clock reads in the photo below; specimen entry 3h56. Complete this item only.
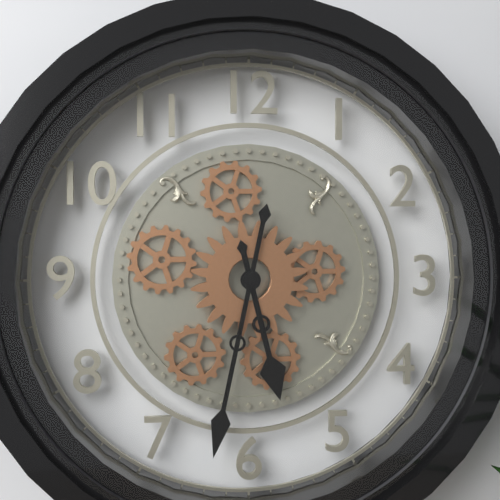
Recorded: 5h32
